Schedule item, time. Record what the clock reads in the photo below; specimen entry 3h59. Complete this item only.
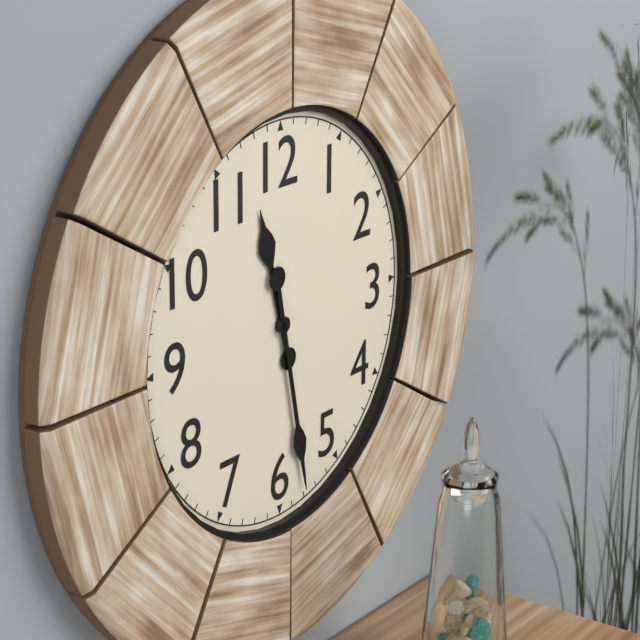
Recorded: 11h28
